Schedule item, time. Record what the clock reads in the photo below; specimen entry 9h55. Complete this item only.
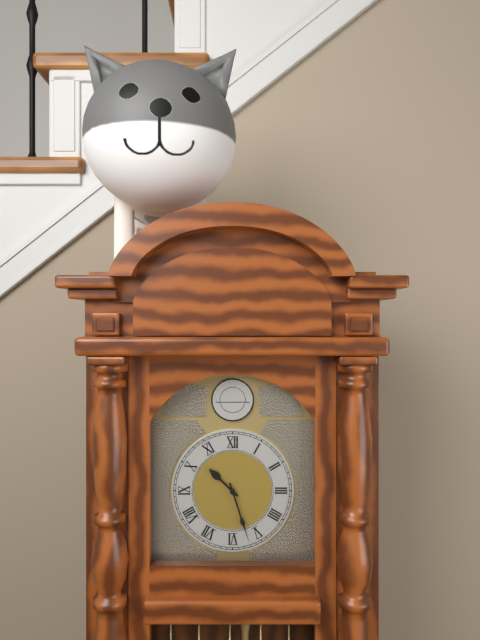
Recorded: 10h27
